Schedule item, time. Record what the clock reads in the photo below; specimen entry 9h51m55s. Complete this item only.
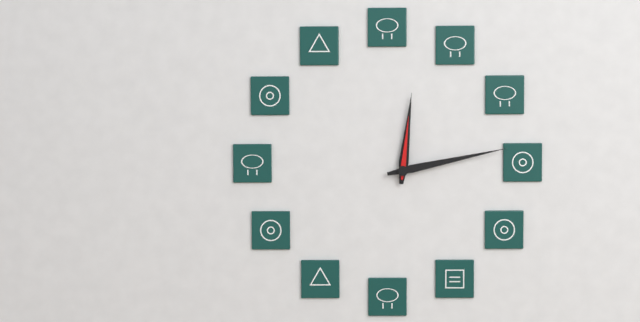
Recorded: 12h13m01s
